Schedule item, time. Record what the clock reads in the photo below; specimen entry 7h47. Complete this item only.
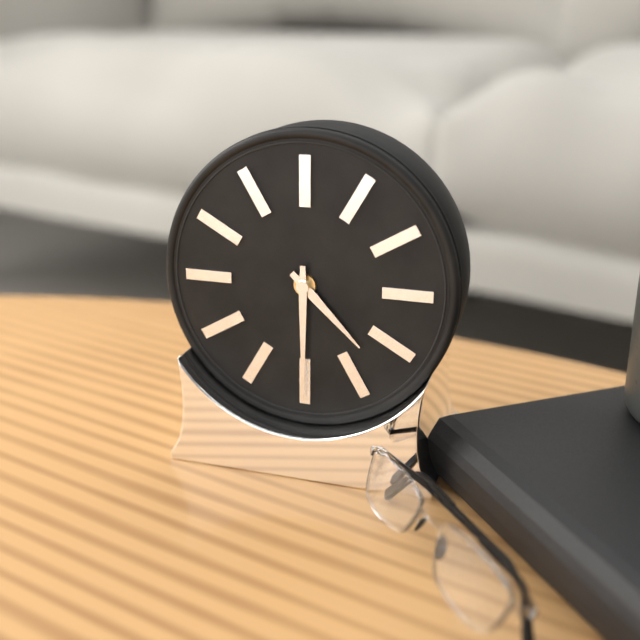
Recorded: 4h30
